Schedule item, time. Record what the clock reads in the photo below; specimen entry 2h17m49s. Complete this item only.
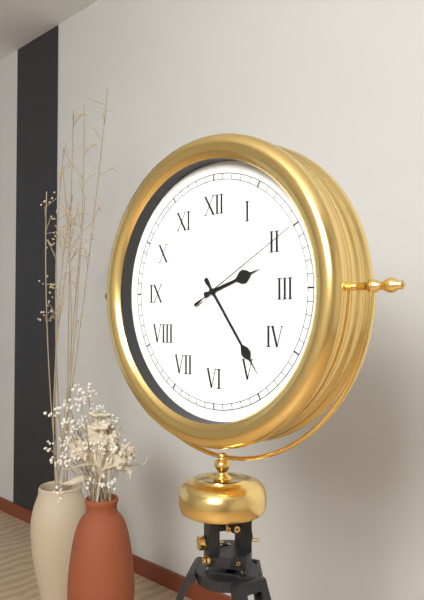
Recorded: 2h24m10s
